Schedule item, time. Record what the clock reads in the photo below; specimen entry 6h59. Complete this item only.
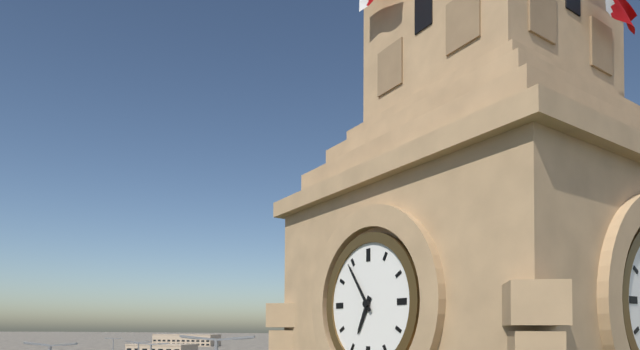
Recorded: 6h54
